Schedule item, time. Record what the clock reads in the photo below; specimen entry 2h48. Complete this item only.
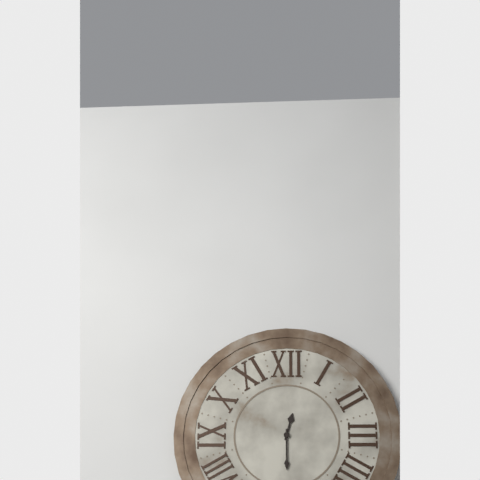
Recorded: 12h30
